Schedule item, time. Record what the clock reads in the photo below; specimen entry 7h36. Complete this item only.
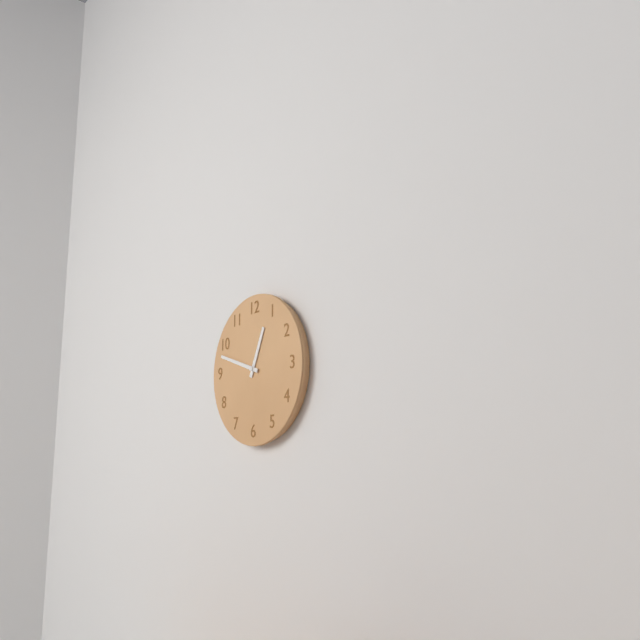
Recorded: 12h48
